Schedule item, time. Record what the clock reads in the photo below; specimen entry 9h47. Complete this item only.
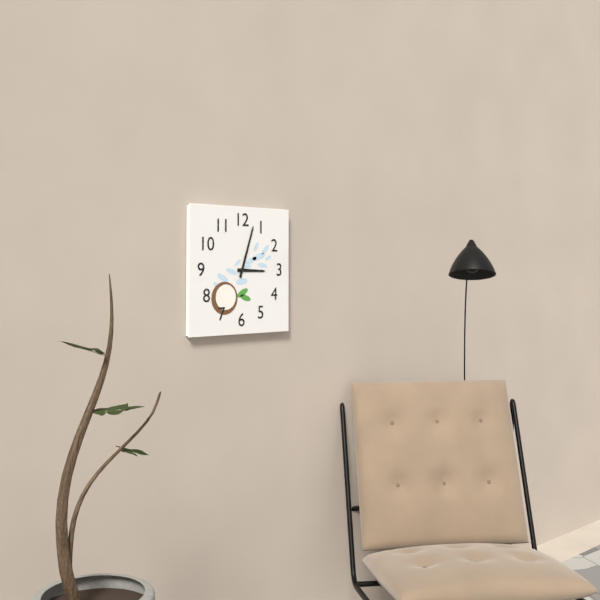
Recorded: 3h03
